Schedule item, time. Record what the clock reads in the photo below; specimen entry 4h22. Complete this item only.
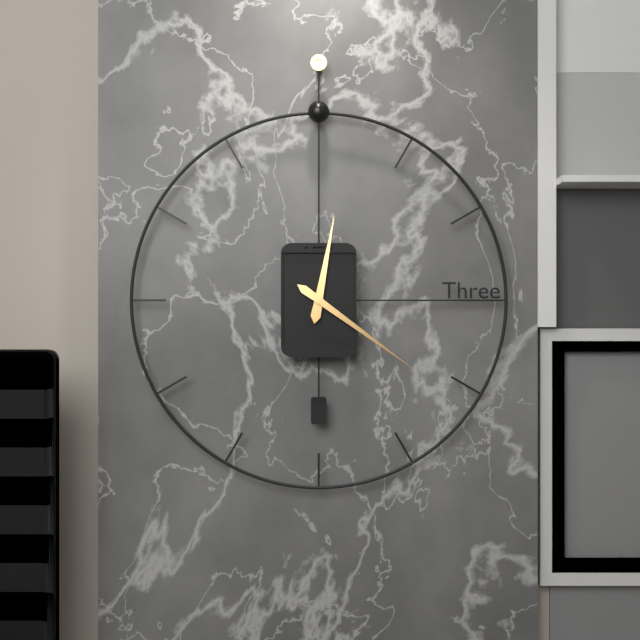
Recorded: 12h21
